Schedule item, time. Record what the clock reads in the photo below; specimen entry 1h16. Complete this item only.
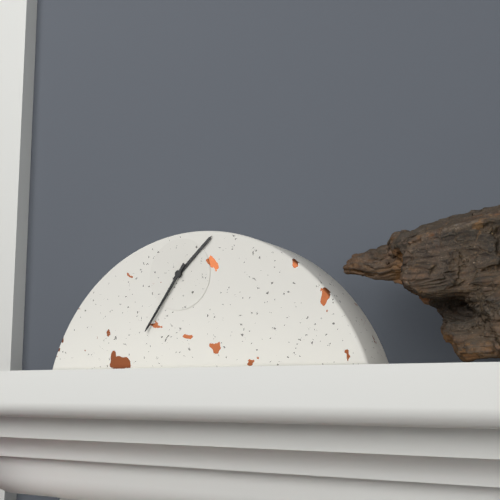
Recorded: 1h36
